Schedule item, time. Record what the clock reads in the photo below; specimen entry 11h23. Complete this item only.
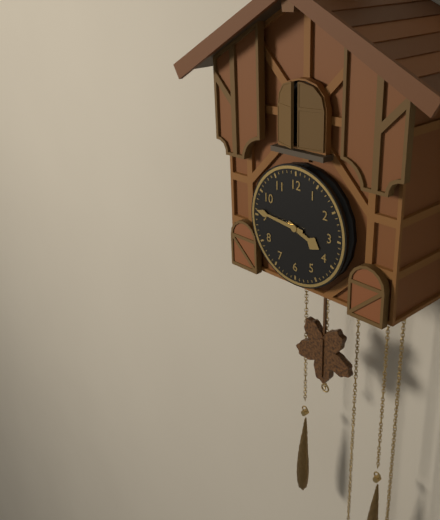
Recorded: 3h46
